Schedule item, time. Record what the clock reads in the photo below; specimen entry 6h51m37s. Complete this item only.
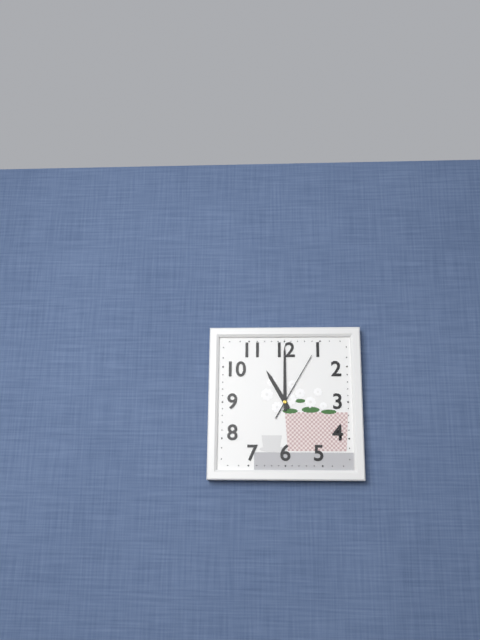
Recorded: 11h00m05s
